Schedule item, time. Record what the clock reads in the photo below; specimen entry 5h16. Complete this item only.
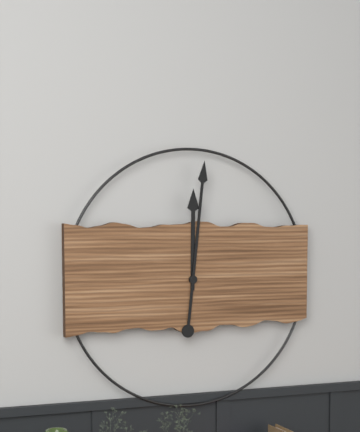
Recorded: 12h01
